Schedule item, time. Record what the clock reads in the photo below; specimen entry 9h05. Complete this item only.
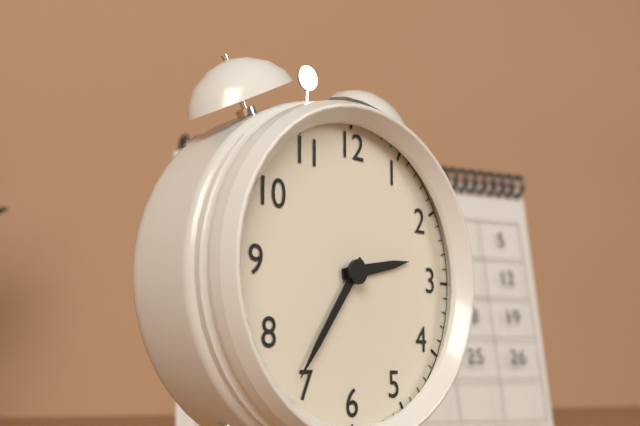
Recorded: 2h36
